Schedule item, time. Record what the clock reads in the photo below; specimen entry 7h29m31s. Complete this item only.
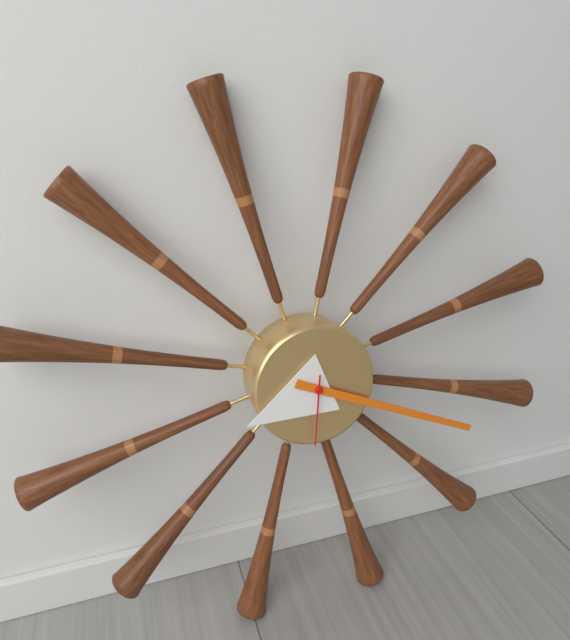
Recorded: 8h19m31s
